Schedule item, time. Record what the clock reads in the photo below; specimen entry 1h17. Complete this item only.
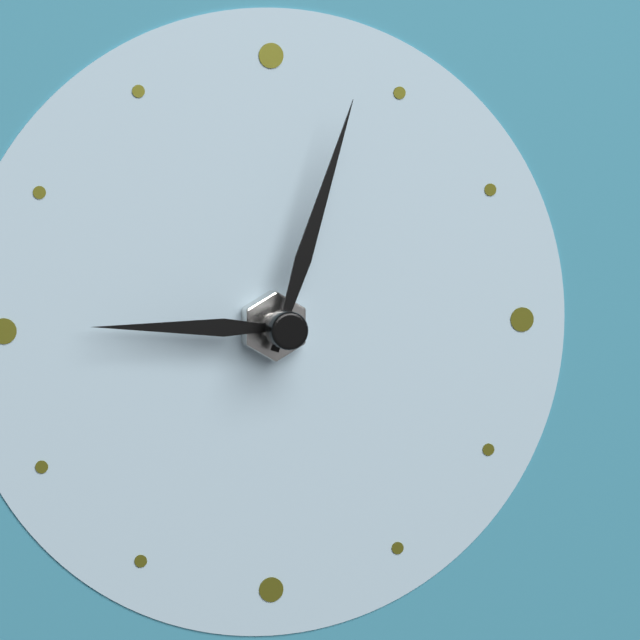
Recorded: 9h03
